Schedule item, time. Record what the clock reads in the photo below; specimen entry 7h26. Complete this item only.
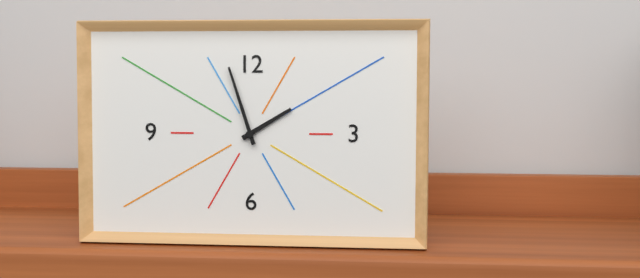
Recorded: 1h57
